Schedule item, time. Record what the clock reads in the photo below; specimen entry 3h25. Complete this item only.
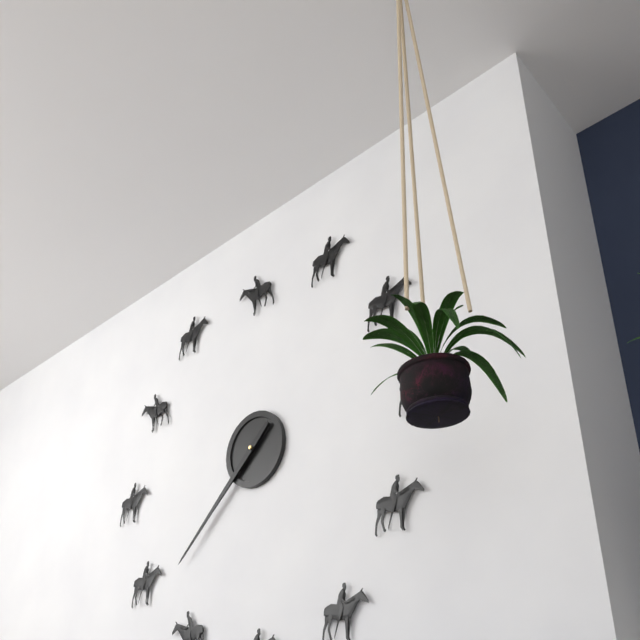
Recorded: 7h38
